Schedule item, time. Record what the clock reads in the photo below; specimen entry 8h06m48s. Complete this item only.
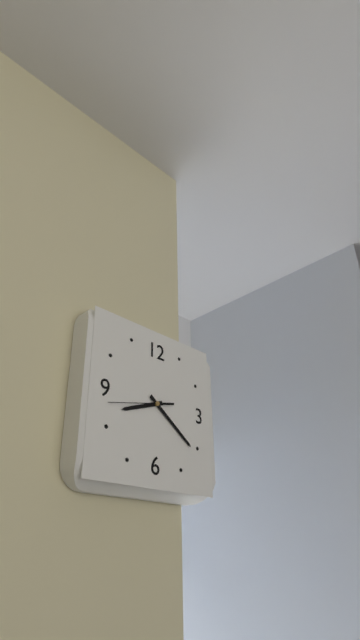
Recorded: 8h21m43s
